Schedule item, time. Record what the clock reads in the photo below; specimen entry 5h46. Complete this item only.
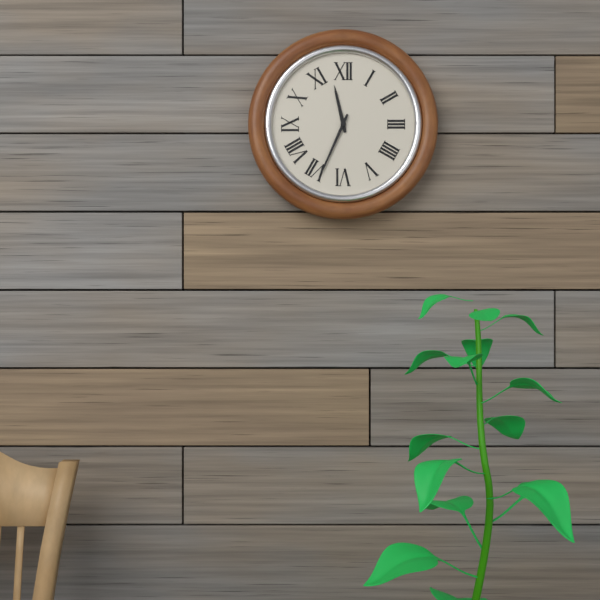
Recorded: 11h34
